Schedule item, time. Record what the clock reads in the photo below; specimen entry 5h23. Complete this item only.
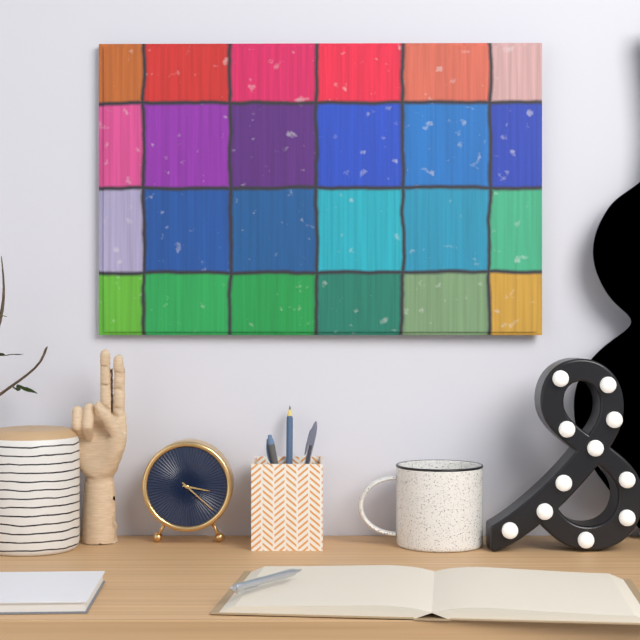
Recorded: 3h22
